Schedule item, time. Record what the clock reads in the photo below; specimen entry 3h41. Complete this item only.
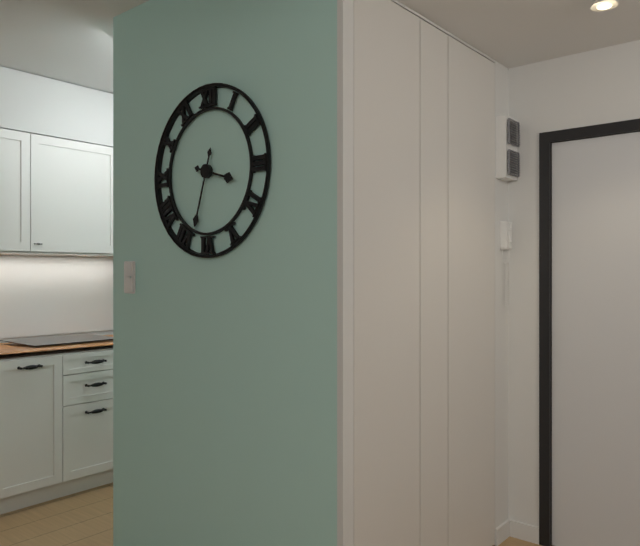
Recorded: 3h33
